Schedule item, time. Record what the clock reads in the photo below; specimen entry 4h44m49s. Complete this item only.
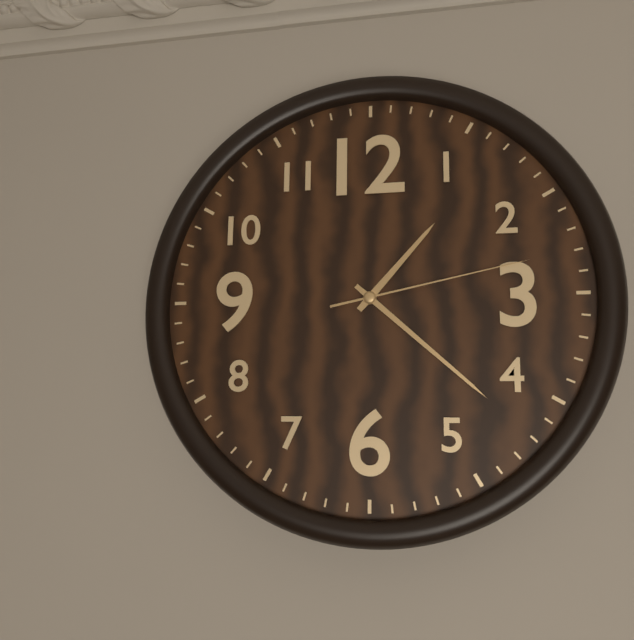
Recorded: 1h22m13s
